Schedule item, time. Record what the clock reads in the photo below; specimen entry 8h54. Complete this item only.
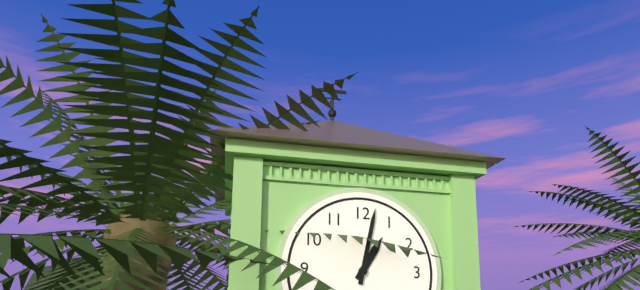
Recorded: 1h02
